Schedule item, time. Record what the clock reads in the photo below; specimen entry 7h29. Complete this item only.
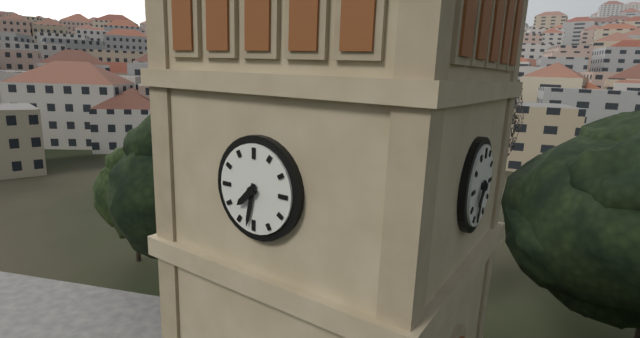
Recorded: 7h32
